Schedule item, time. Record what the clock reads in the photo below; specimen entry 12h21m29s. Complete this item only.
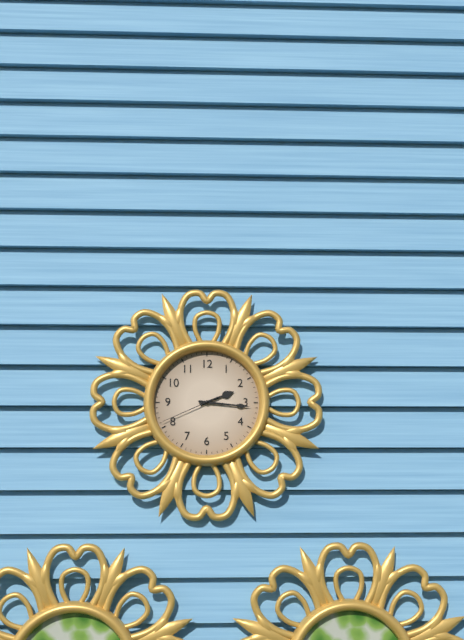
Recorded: 2h16m41s
